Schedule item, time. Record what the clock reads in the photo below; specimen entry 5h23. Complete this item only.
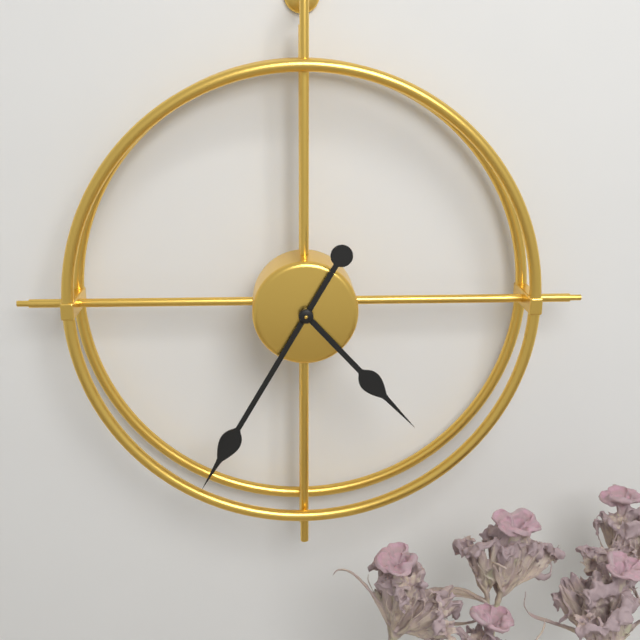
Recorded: 4h35
